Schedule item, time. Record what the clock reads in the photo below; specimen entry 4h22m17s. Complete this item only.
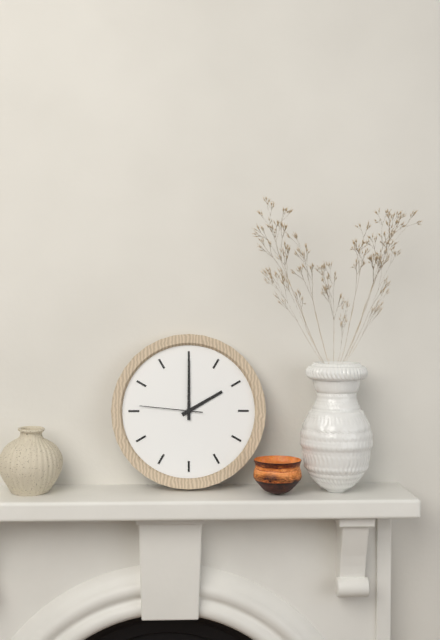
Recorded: 2h00m46s
